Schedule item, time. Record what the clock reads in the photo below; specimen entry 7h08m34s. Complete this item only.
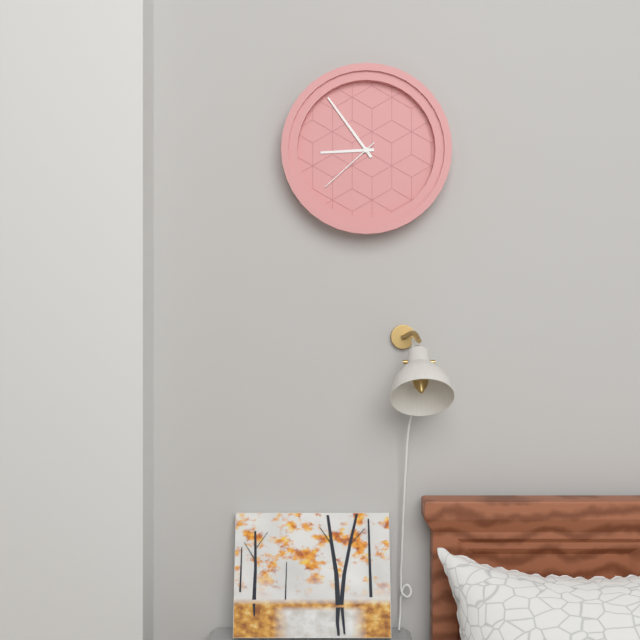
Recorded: 8h54m38s
